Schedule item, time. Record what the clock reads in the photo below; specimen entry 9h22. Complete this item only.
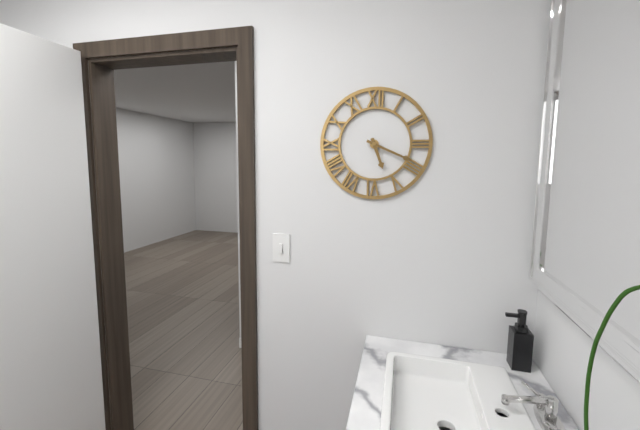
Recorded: 5h19
